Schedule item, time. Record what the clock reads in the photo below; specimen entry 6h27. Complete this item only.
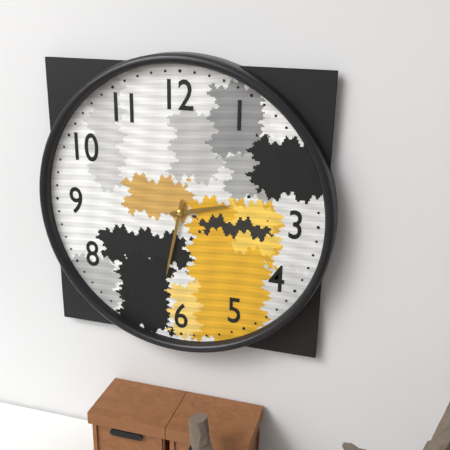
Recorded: 2h32
